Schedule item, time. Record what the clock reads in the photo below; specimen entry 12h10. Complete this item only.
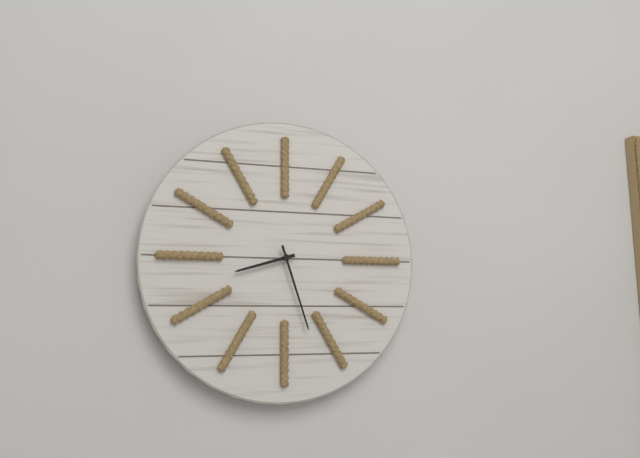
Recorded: 8h27
